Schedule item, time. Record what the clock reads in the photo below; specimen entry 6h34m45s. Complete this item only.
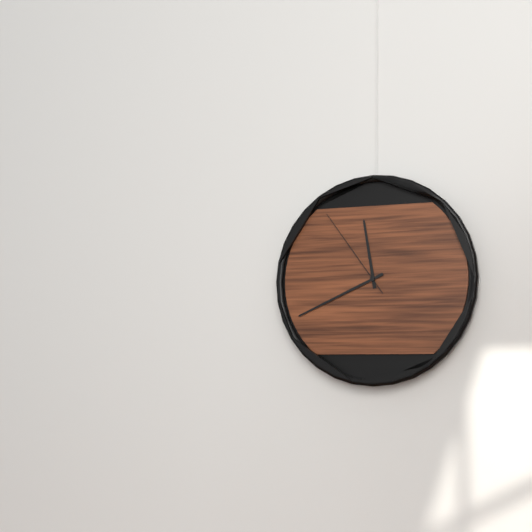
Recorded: 11h41m54s
